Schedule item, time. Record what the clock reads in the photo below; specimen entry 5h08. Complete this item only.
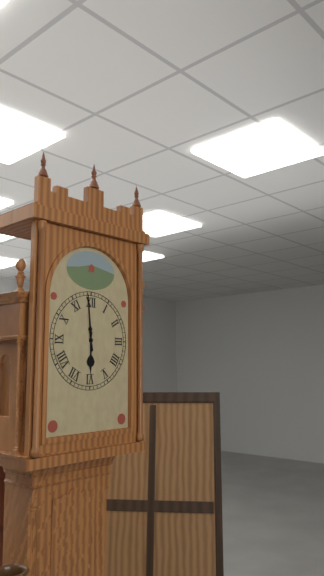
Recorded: 5h59
